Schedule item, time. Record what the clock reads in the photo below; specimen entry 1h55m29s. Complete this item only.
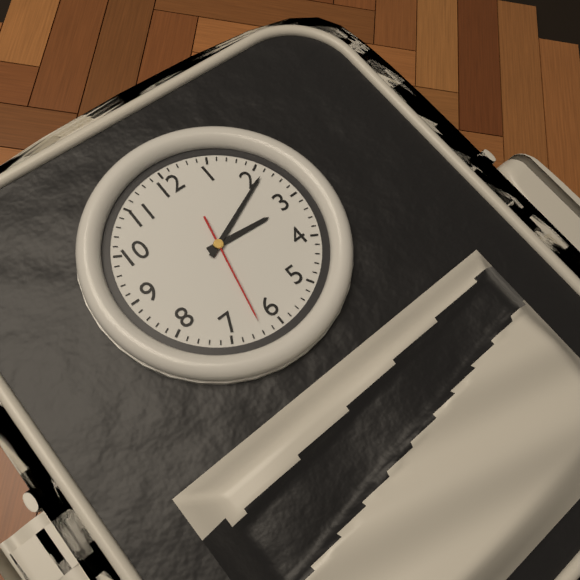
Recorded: 3h11m32s
